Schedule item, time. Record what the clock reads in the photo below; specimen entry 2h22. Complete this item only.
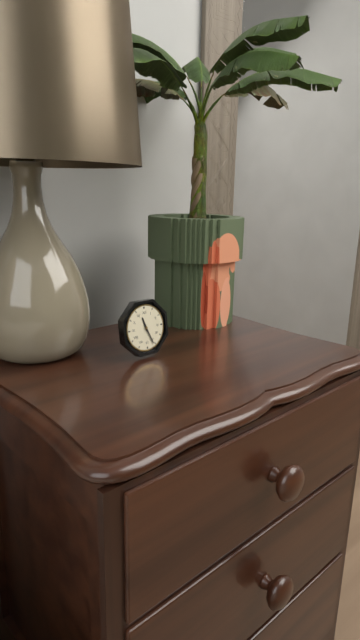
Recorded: 11h26
